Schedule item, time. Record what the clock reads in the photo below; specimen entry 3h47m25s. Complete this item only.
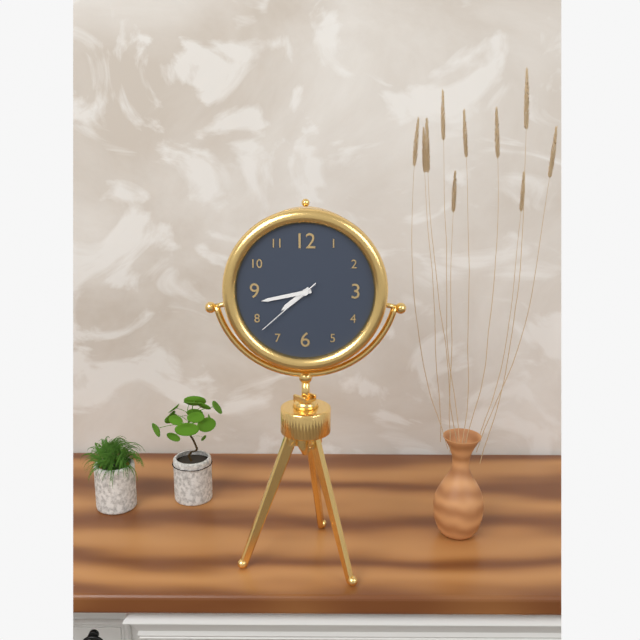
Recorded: 7h43m38s
